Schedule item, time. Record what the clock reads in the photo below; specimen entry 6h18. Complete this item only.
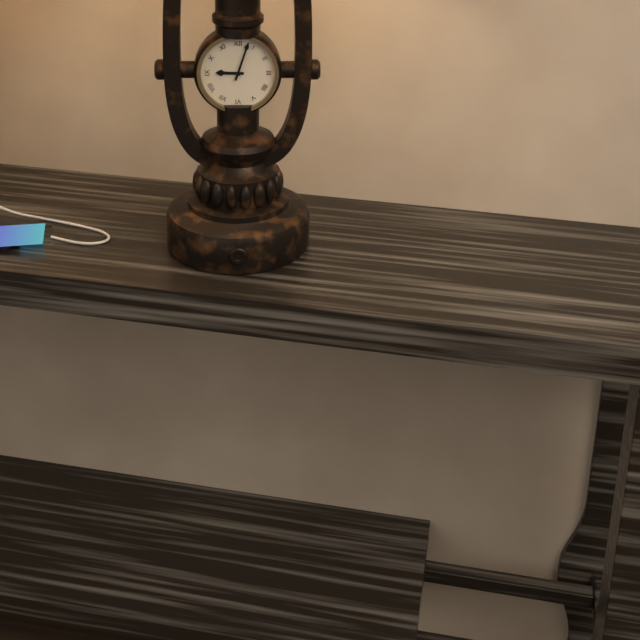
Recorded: 9h03
